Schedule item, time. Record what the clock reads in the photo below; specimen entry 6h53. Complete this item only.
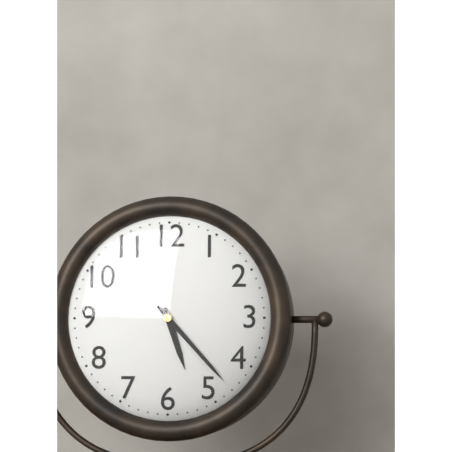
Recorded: 5h23
